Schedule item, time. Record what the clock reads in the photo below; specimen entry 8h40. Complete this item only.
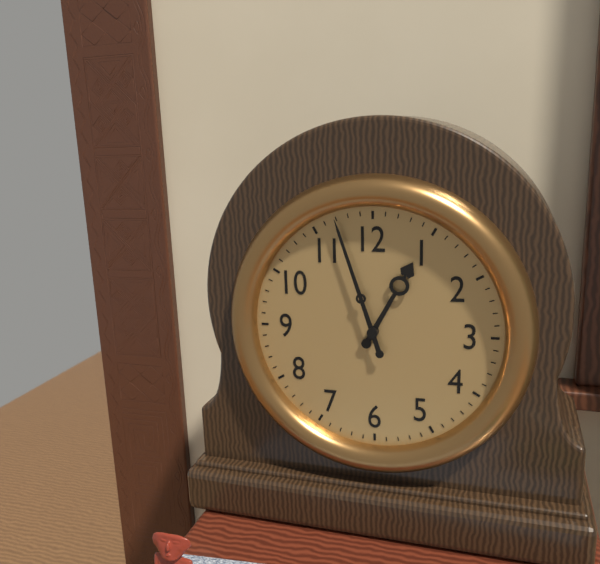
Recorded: 12h57
